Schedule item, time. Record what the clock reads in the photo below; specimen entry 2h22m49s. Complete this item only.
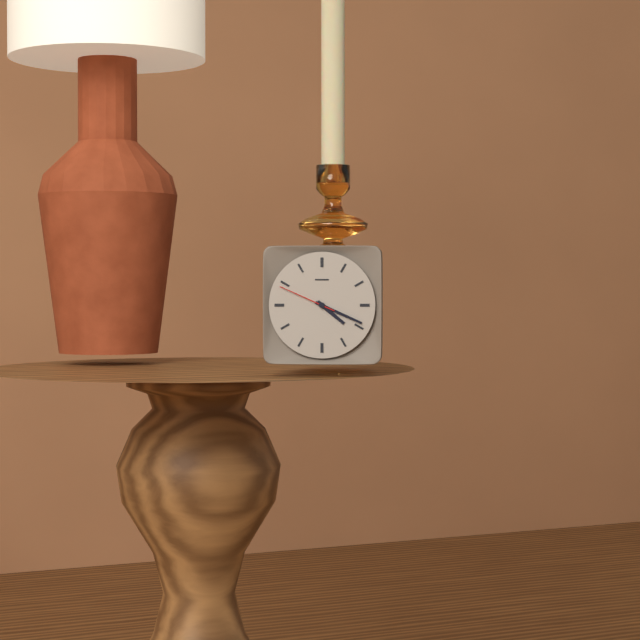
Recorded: 4h19m49s
